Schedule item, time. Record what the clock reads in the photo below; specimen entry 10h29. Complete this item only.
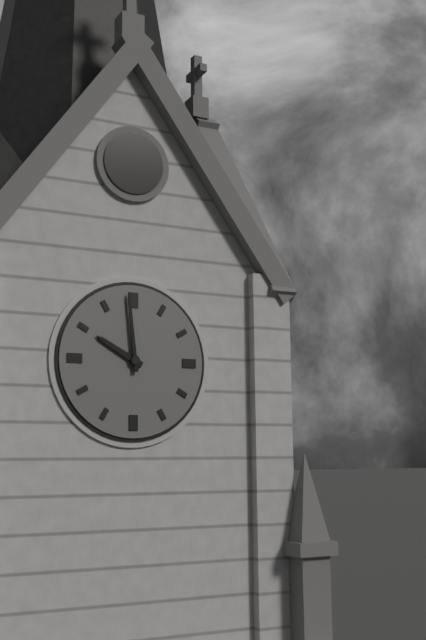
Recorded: 9h59
